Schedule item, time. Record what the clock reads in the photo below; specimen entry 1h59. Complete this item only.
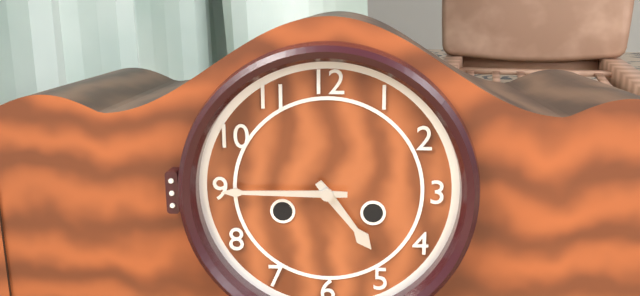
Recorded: 4h45
